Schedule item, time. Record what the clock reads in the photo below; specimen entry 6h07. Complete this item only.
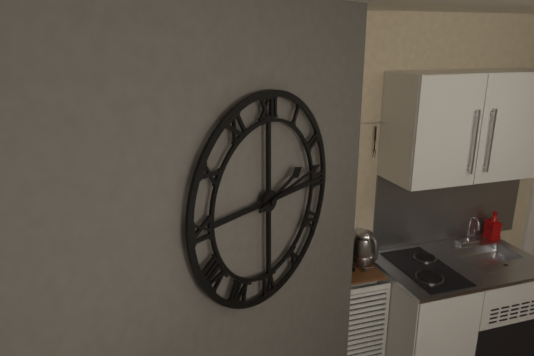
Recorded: 2h13
